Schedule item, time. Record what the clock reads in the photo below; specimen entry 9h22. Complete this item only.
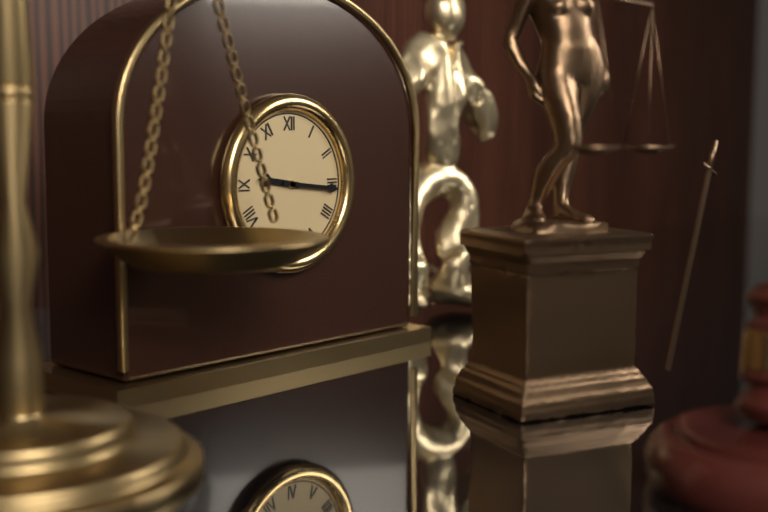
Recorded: 9h16
